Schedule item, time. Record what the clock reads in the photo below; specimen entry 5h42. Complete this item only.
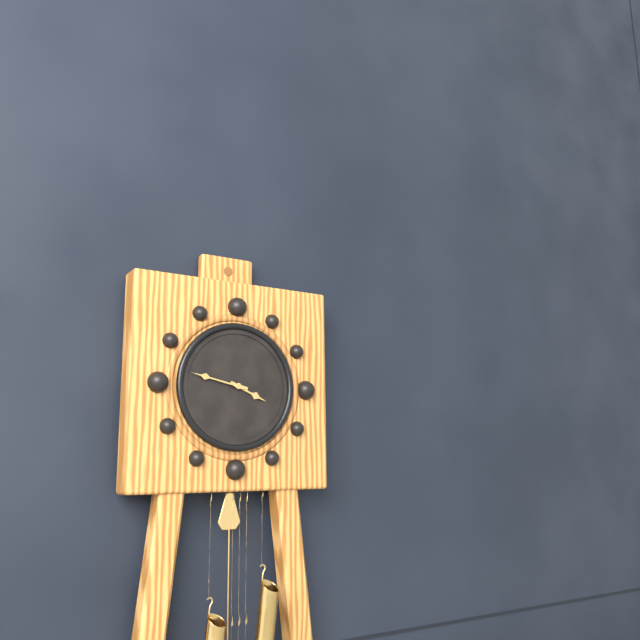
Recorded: 3h47
